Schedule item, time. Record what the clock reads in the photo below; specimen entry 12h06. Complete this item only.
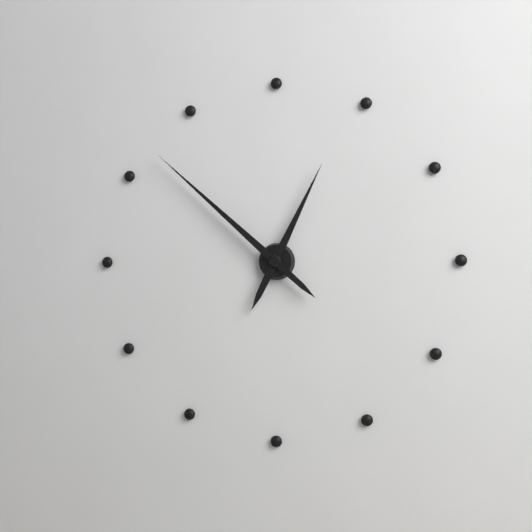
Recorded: 12h52
